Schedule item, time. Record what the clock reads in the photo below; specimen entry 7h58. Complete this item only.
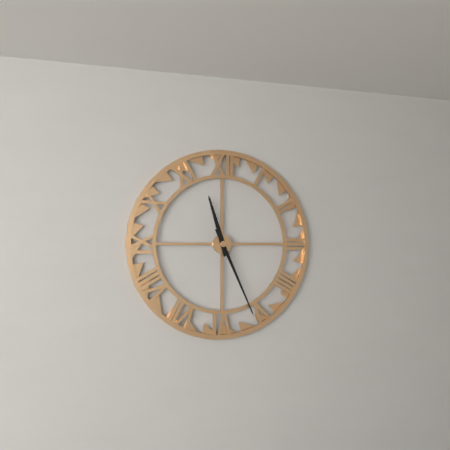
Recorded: 11h26
